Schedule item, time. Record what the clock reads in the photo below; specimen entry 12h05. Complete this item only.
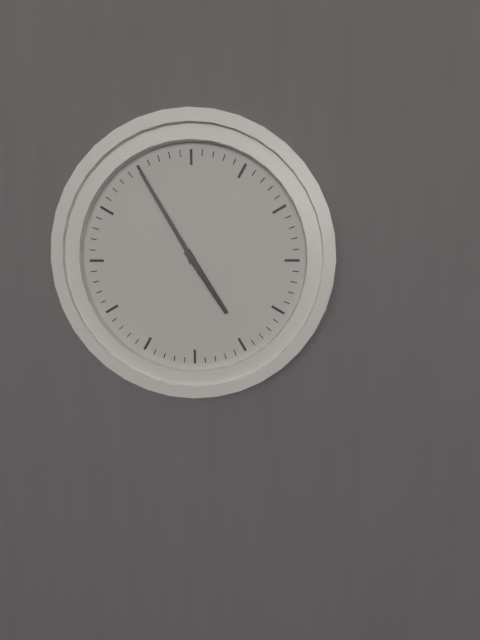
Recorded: 4h55
